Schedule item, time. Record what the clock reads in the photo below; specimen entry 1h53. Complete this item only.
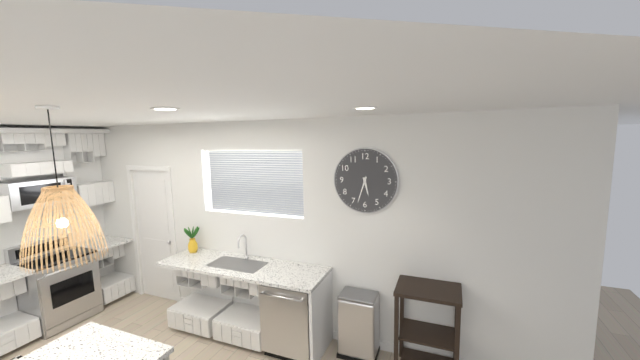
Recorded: 5h33
